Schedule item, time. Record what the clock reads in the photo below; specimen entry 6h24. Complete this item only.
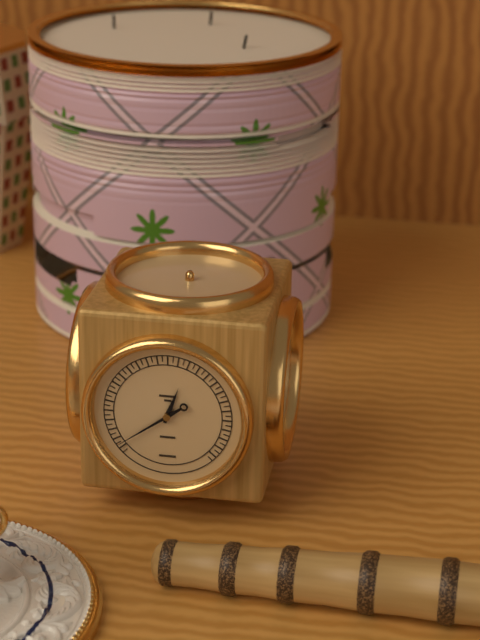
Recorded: 12h39
